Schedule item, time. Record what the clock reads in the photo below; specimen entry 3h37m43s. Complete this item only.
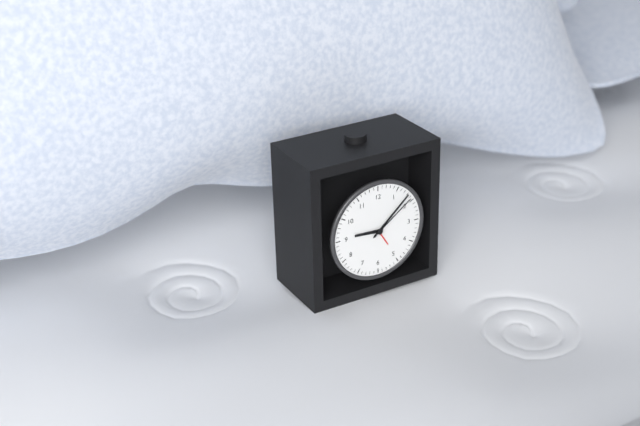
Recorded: 9h08m09s
